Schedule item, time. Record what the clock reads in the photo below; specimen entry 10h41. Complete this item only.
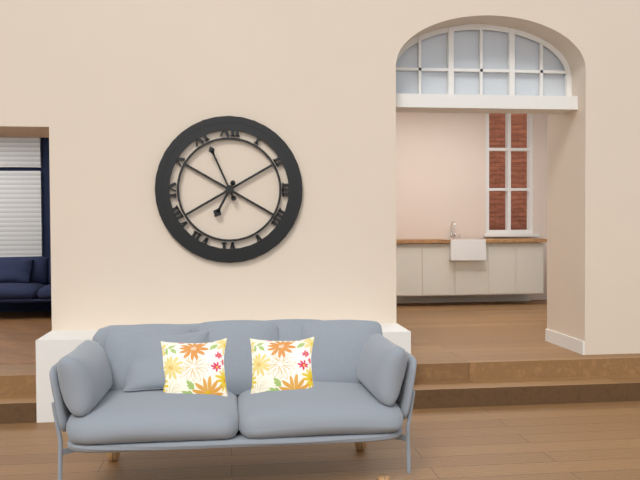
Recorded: 6h56
